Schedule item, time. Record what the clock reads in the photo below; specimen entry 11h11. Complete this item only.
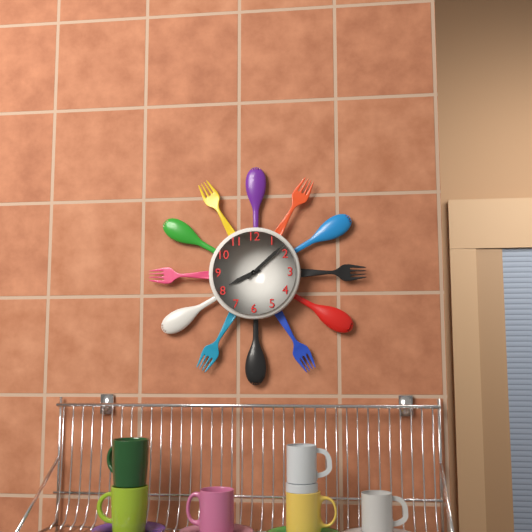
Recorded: 8h08
